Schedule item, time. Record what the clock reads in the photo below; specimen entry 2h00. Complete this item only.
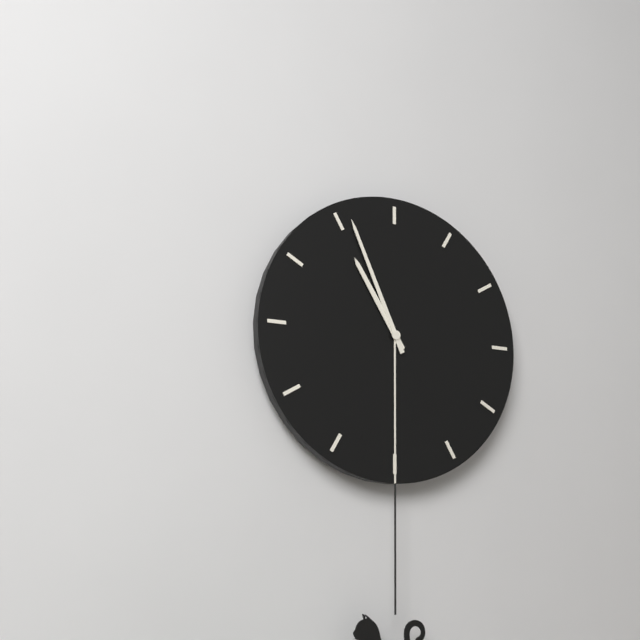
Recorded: 10h56
